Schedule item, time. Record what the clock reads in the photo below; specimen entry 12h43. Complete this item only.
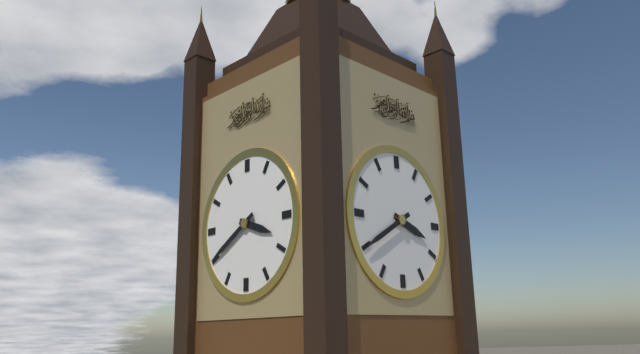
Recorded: 3h40
